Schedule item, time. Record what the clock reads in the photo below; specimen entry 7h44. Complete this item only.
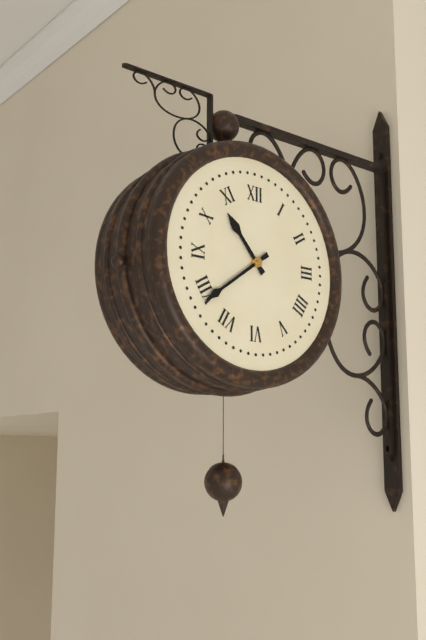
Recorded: 10h39
